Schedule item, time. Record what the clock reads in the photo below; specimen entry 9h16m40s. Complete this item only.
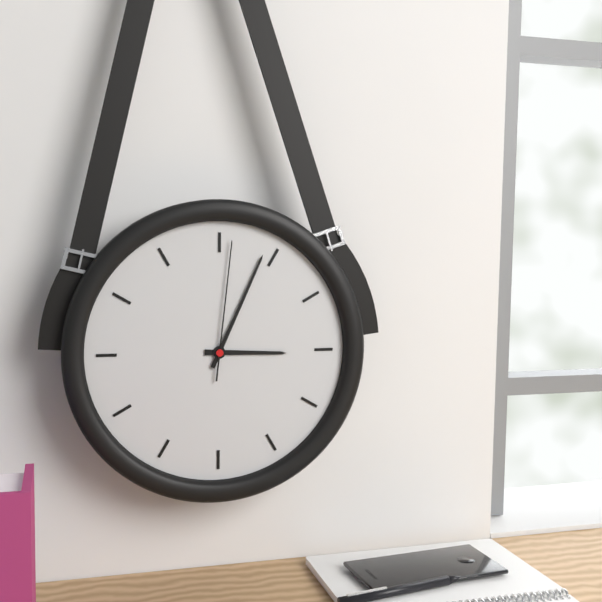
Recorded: 3h04m01s
